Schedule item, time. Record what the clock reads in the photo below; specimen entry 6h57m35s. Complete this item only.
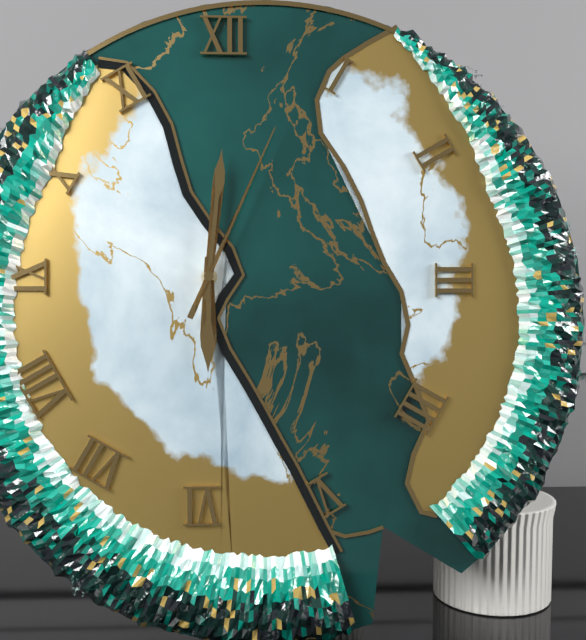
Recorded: 6h01m04s
